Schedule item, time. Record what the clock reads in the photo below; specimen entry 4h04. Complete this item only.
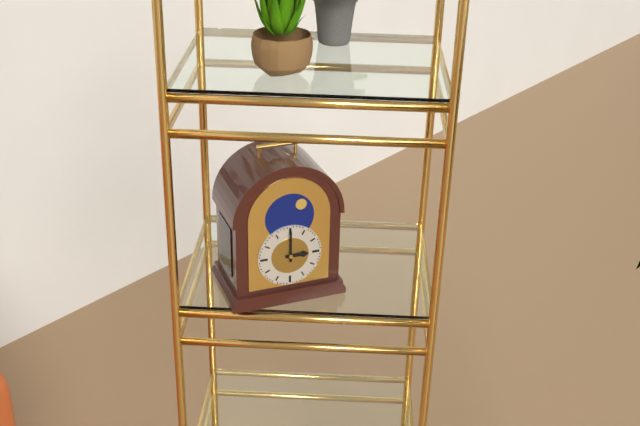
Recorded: 3h00
